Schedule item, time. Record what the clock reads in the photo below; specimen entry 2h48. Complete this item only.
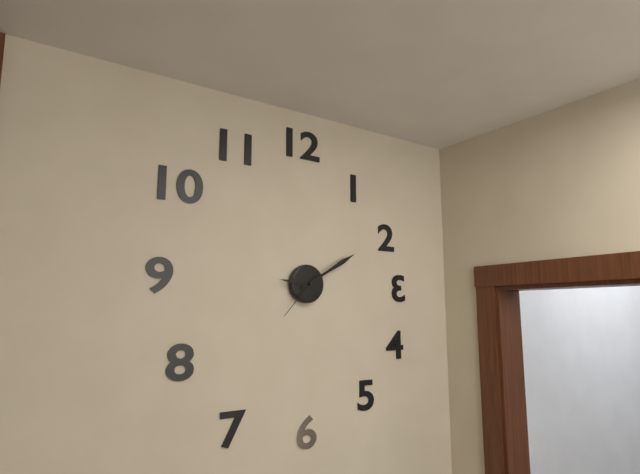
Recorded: 9h10
